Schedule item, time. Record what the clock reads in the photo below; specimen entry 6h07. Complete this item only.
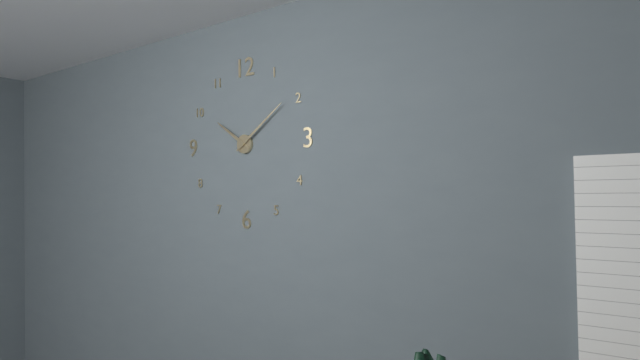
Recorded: 10h09
